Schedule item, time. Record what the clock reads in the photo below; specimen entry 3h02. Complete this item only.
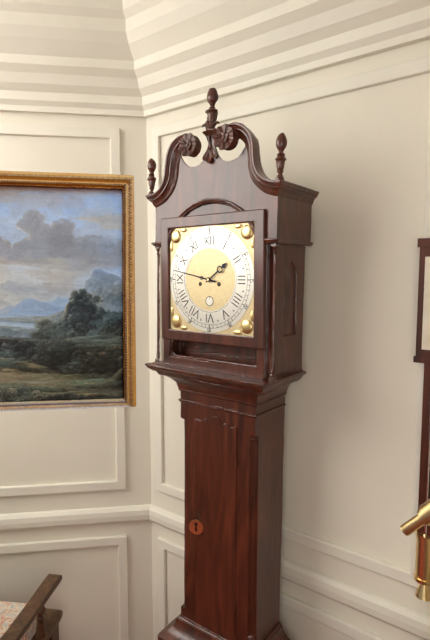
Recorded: 1h47
